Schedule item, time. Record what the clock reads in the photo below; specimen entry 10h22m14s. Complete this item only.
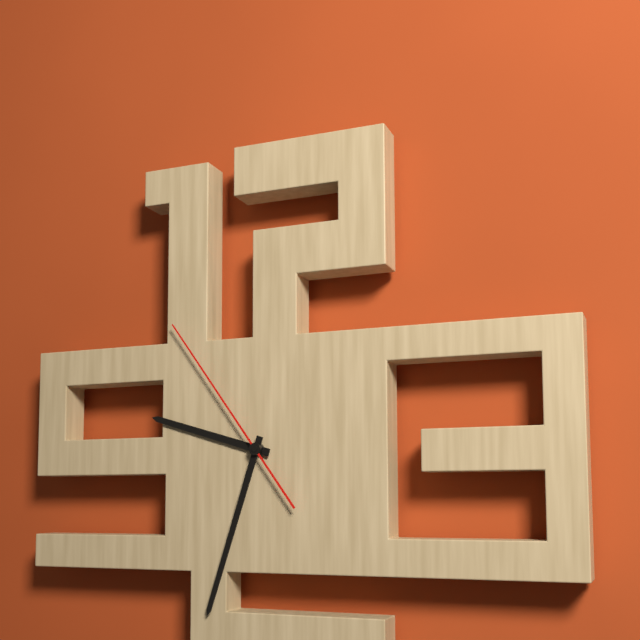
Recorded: 9h33m54s
